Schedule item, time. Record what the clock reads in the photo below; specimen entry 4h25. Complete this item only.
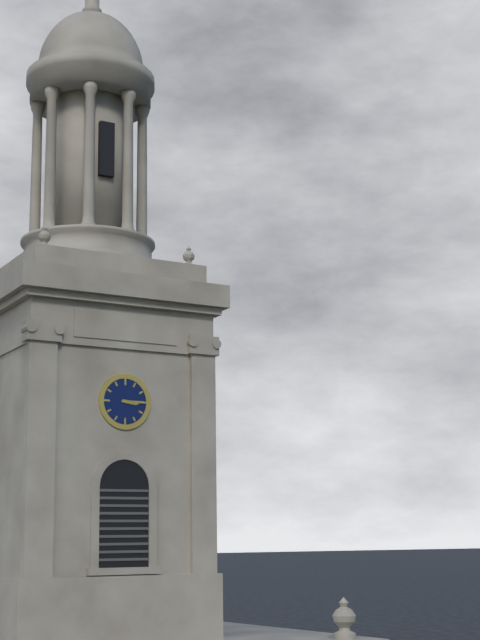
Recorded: 3h15
